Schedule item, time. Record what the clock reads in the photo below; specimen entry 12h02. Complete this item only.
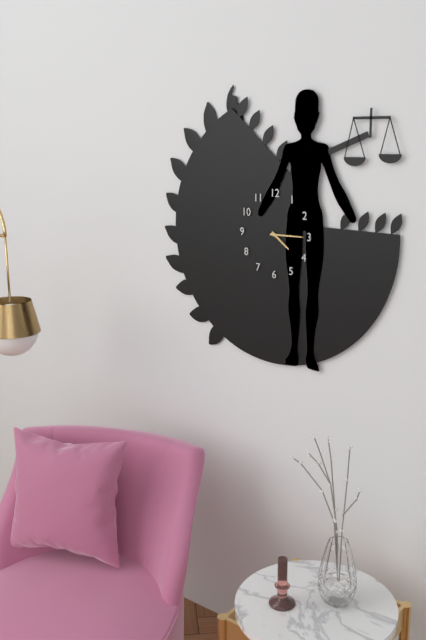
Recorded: 4h15
